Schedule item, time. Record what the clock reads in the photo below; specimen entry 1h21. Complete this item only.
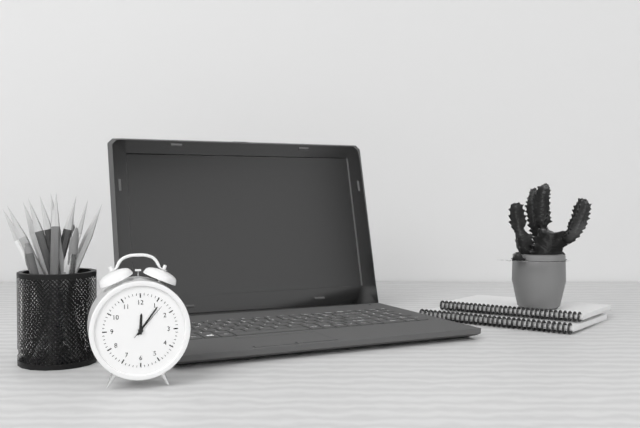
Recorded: 12h06
